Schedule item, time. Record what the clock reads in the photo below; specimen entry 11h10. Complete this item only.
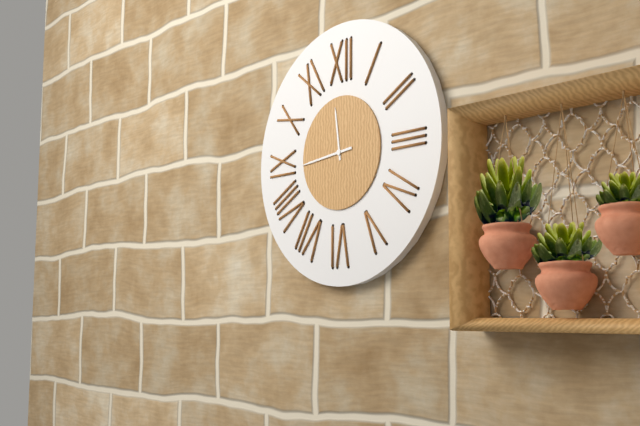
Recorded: 11h44
